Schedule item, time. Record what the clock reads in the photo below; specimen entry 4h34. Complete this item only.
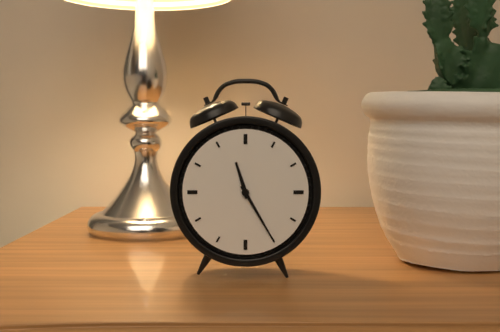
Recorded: 11h25
